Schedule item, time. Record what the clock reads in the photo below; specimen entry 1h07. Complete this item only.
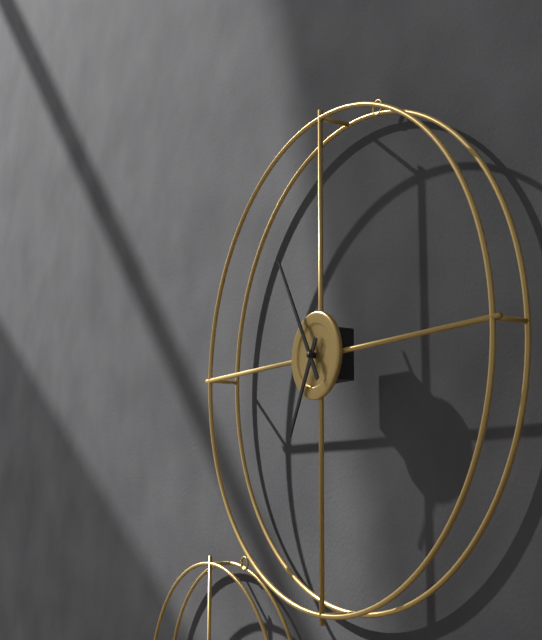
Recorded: 6h55
